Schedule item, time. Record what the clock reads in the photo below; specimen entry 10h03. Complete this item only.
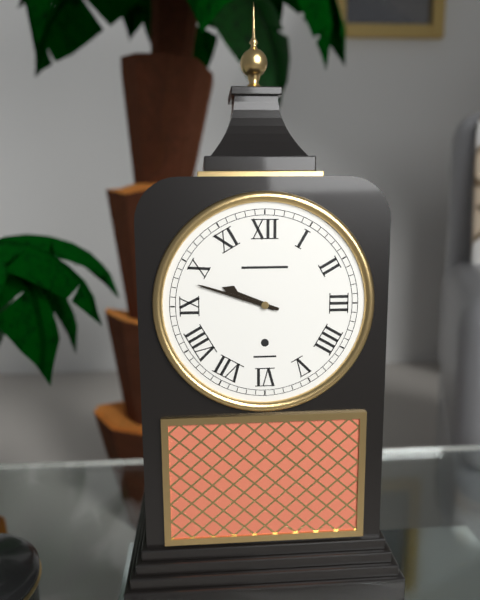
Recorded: 9h48
